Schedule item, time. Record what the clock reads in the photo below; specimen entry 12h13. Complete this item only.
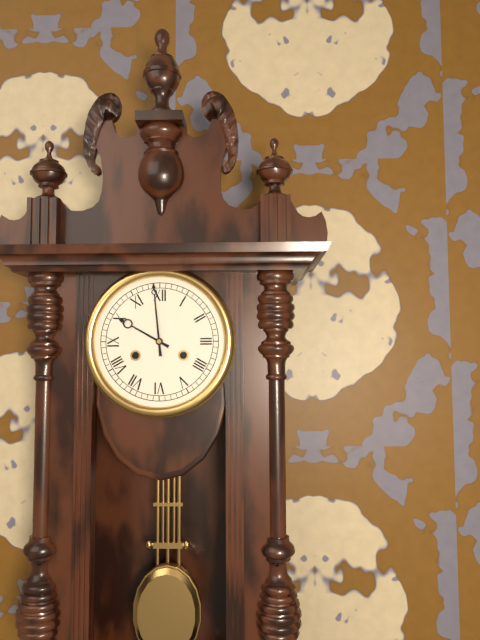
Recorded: 9h59
